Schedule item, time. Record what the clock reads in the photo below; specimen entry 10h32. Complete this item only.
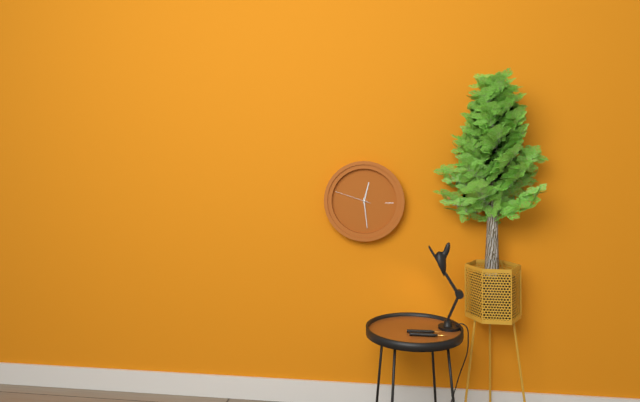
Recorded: 12h29
